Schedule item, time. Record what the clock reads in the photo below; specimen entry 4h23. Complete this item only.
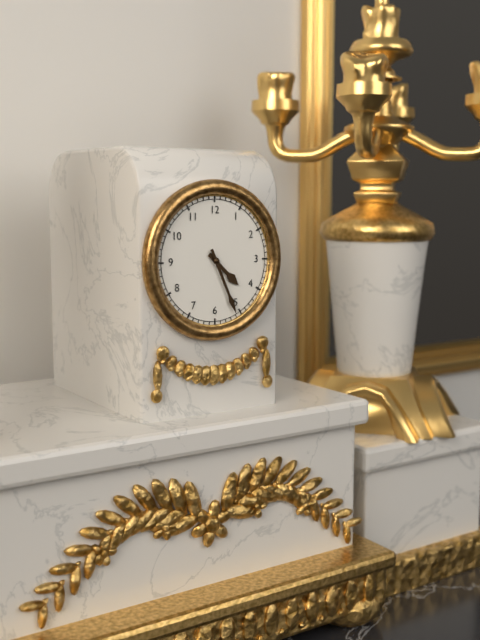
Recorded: 4h26
